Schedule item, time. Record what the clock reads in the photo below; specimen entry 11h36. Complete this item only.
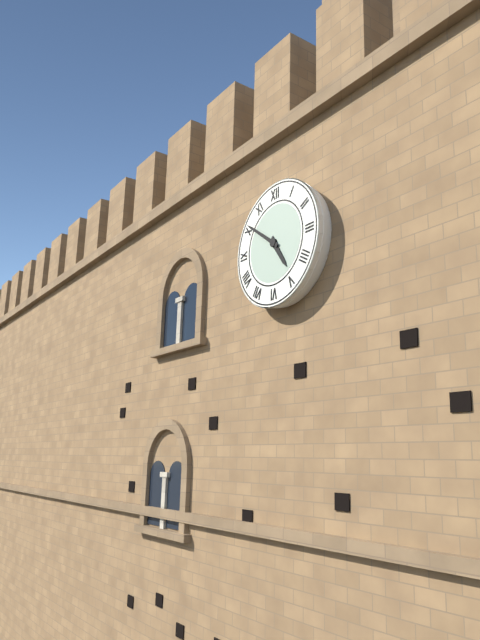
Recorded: 4h51
